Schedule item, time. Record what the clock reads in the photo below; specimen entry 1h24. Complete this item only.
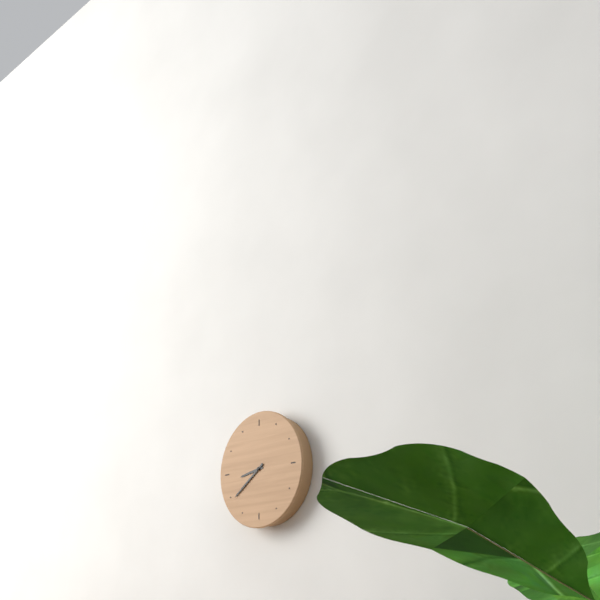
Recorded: 8h39
